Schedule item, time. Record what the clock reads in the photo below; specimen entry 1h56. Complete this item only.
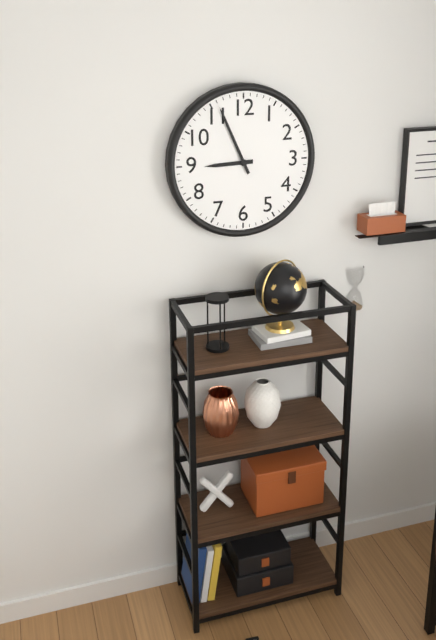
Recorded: 8h56
